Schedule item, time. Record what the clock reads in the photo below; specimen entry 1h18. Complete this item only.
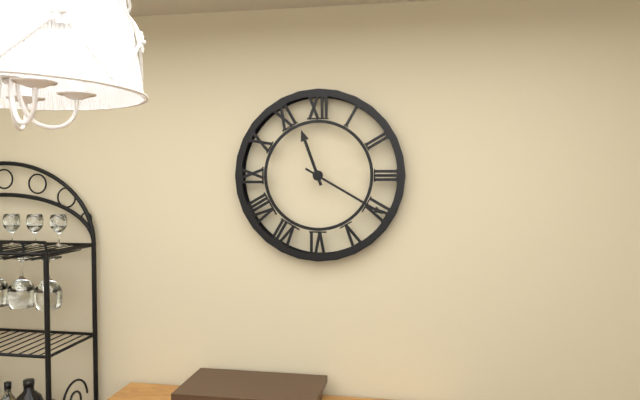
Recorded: 11h20
